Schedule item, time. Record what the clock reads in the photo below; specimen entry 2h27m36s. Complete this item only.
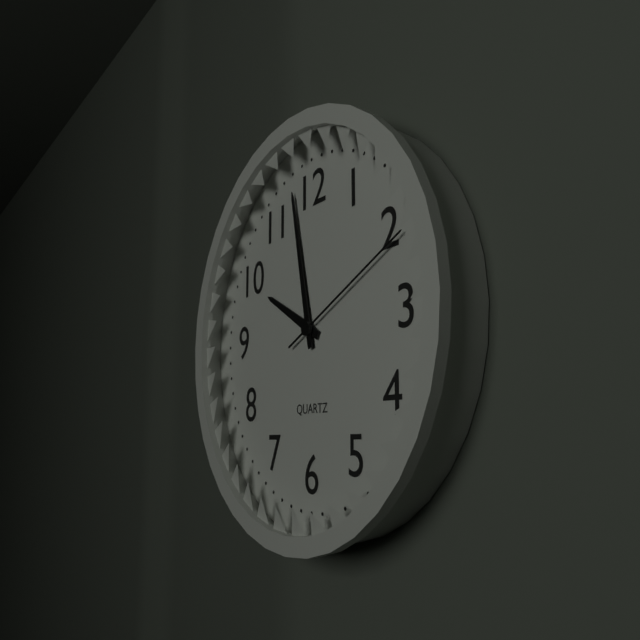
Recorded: 9h58m11s
